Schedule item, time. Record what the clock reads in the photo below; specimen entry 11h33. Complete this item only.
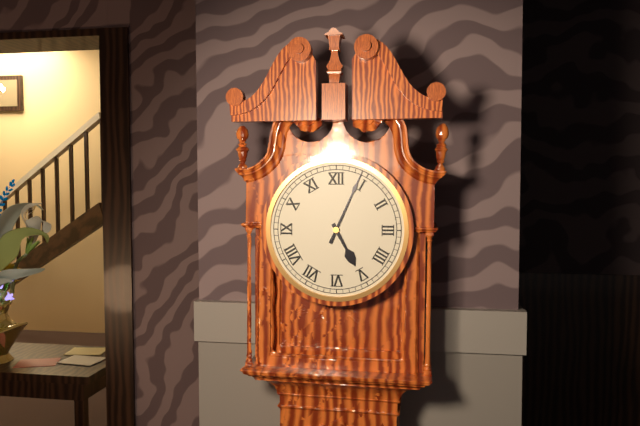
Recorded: 5h04
